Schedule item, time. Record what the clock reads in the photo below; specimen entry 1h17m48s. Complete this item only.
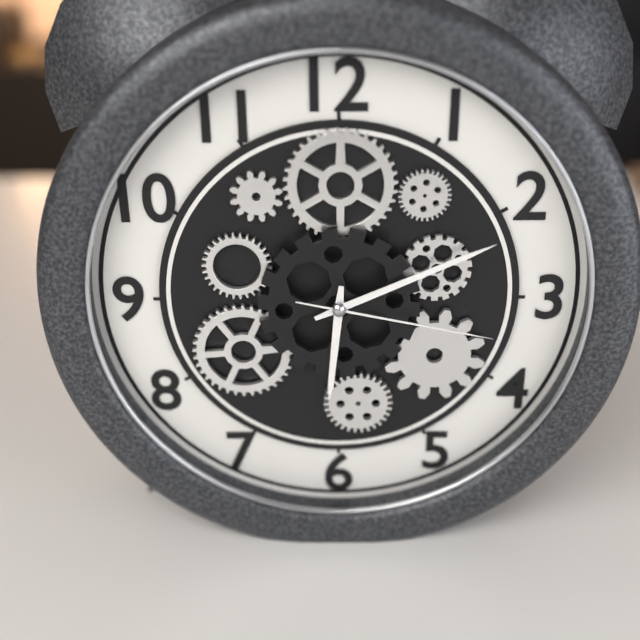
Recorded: 6h11m17s
